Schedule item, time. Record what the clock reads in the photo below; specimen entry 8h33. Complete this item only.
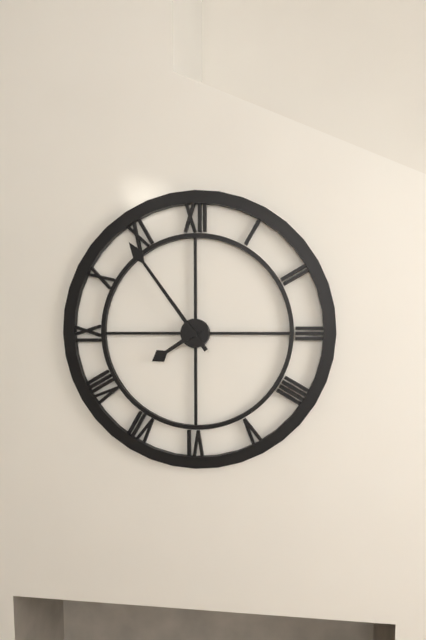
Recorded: 7h54
